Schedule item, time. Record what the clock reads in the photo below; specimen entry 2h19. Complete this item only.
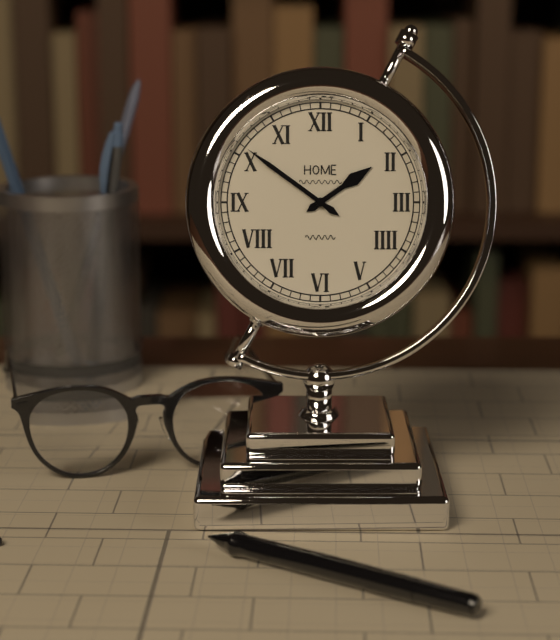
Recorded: 1h51
